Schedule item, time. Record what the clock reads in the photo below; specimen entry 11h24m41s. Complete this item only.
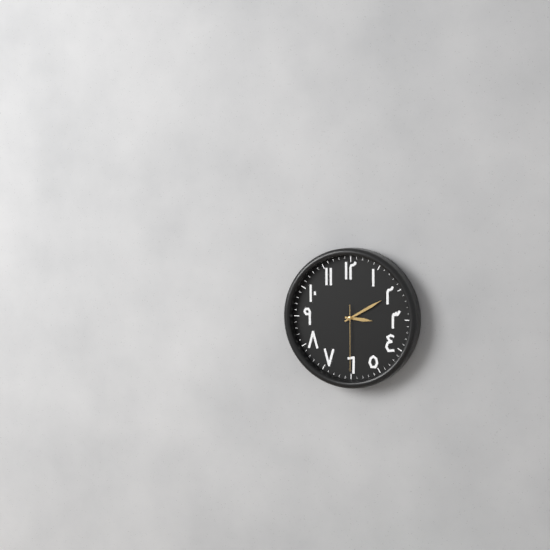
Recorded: 3h10m30s
